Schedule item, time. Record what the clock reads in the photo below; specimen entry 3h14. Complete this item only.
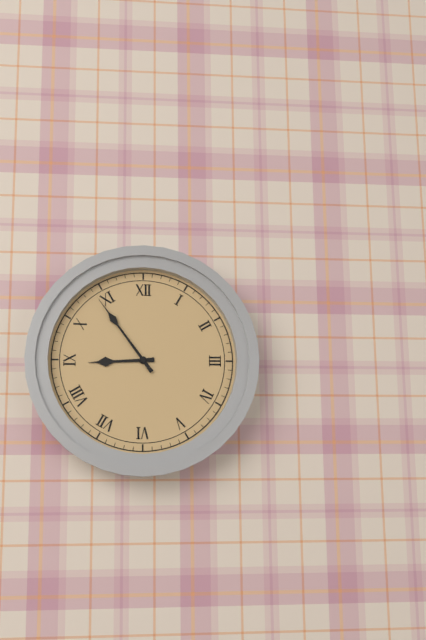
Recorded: 8h54
